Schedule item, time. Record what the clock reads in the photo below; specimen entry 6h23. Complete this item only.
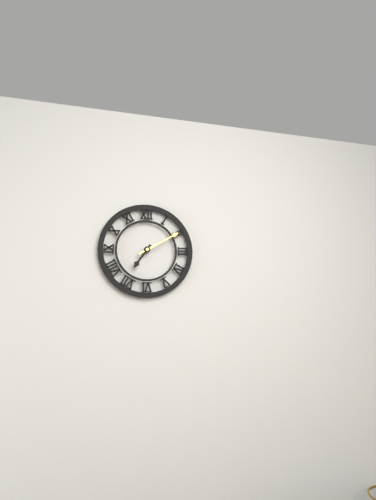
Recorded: 7h10
